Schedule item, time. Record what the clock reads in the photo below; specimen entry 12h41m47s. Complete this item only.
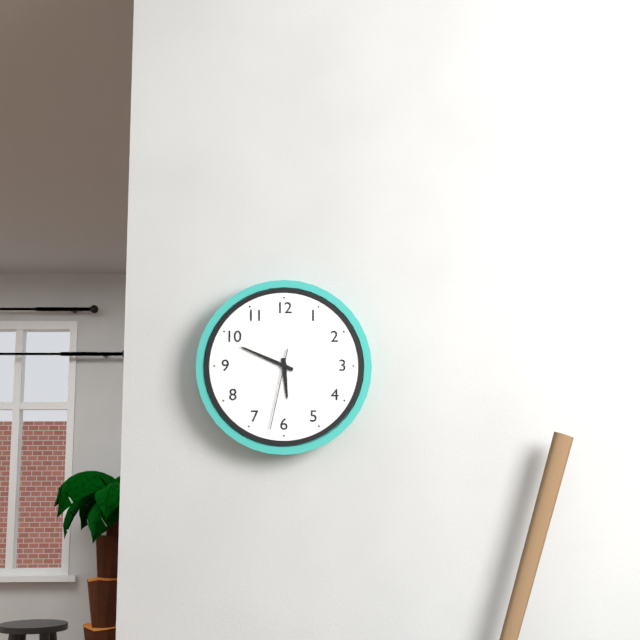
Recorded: 5h49m32s
